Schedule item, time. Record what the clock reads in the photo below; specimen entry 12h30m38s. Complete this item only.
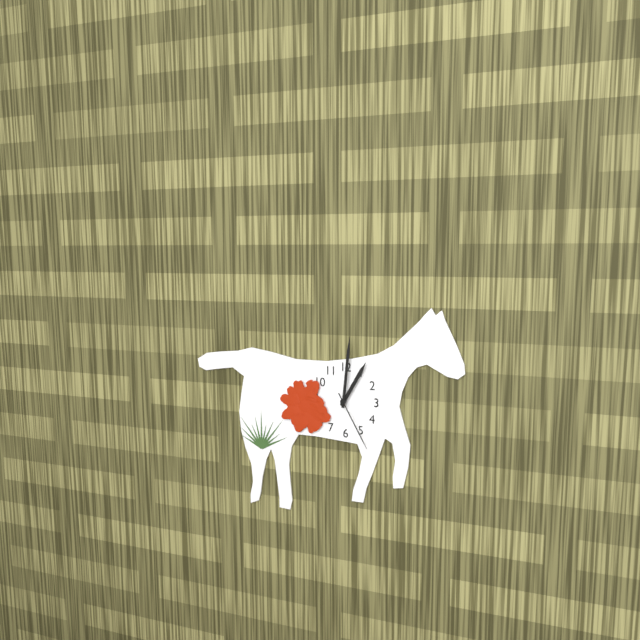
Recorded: 1h01m25s
